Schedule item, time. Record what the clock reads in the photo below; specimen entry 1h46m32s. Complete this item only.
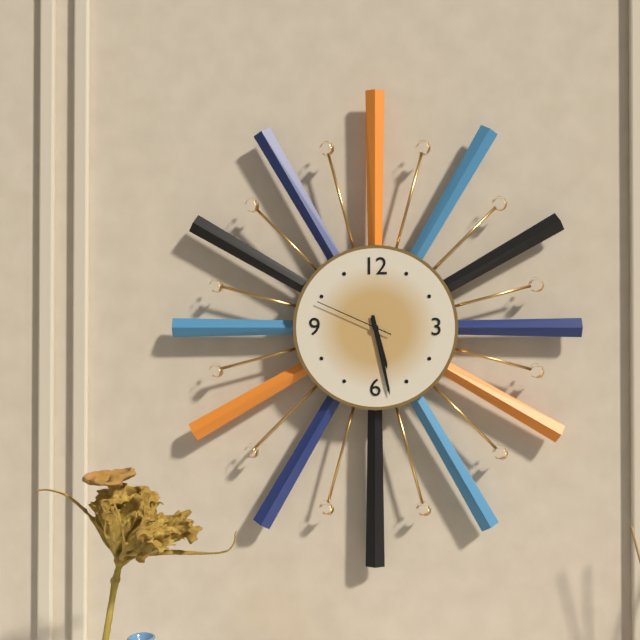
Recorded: 5h28m49s
